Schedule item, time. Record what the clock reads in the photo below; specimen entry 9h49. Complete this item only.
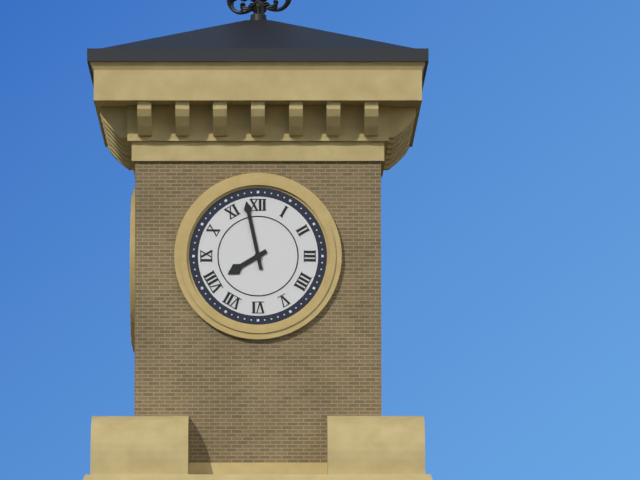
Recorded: 7h58
